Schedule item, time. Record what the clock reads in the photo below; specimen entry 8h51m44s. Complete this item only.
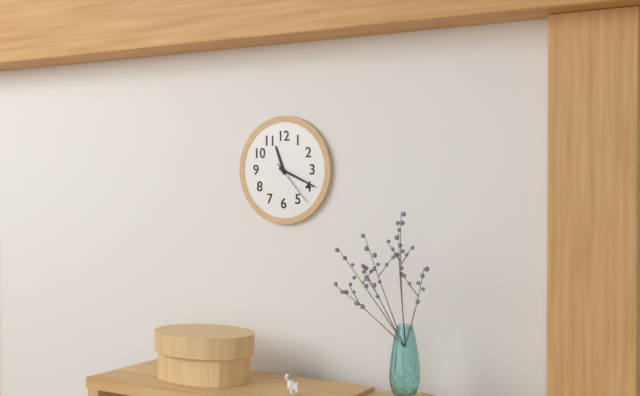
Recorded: 11h19m23s
